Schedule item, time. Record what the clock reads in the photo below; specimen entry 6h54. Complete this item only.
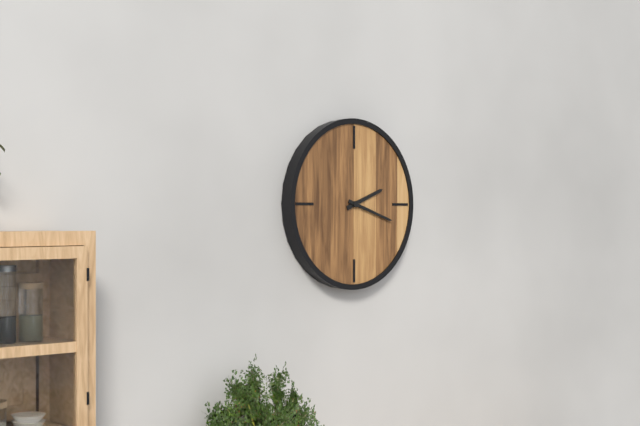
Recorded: 2h18
